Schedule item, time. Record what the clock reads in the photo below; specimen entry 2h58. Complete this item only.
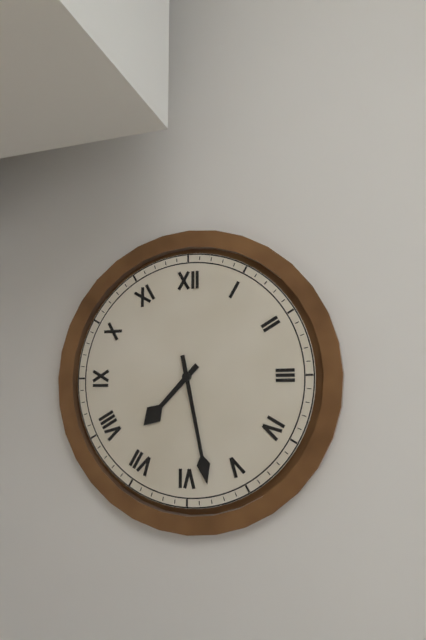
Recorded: 7h28
